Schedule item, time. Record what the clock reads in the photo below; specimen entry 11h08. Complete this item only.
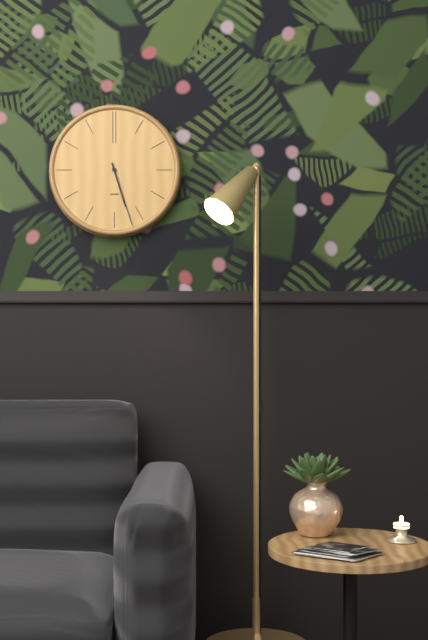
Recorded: 5h27
